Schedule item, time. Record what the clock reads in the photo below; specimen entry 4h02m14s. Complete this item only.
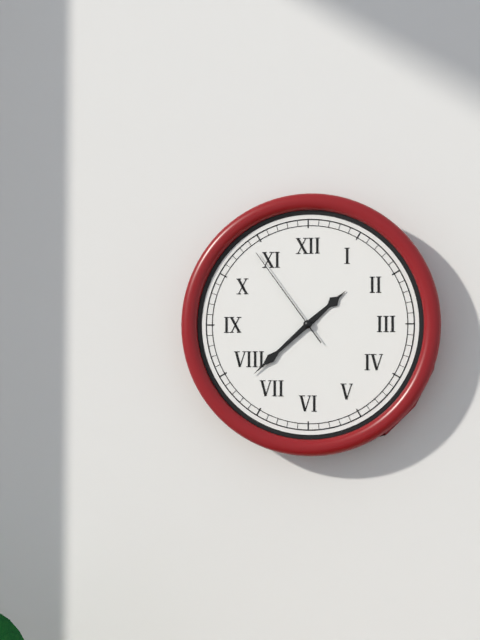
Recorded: 1h38m54s
